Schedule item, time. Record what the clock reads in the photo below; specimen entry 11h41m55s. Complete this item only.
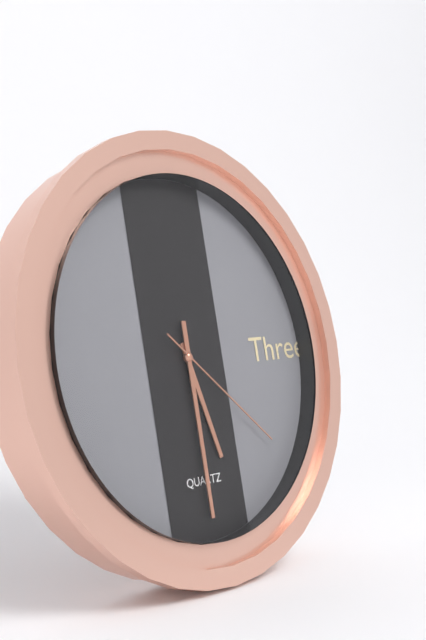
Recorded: 5h30m22s
